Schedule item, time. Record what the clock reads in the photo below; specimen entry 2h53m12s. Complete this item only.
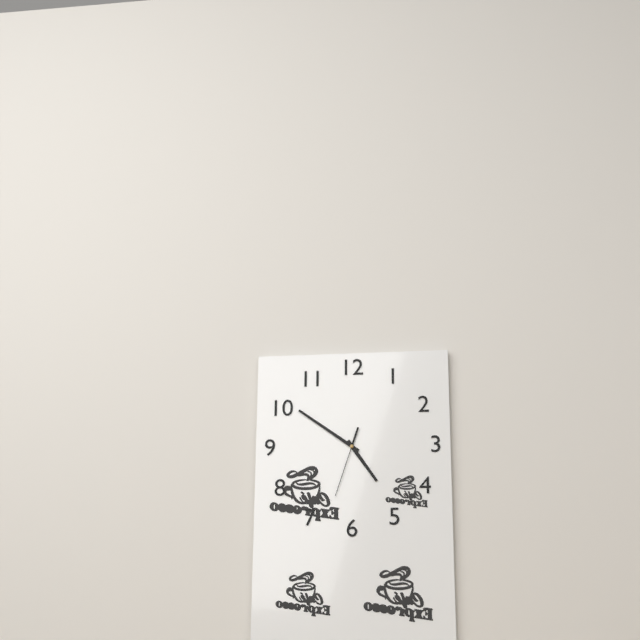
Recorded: 4h51m33s
